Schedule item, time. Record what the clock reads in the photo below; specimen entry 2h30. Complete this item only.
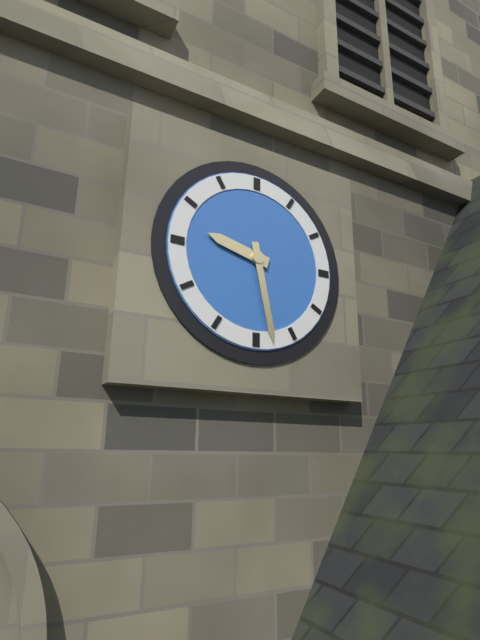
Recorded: 9h28
